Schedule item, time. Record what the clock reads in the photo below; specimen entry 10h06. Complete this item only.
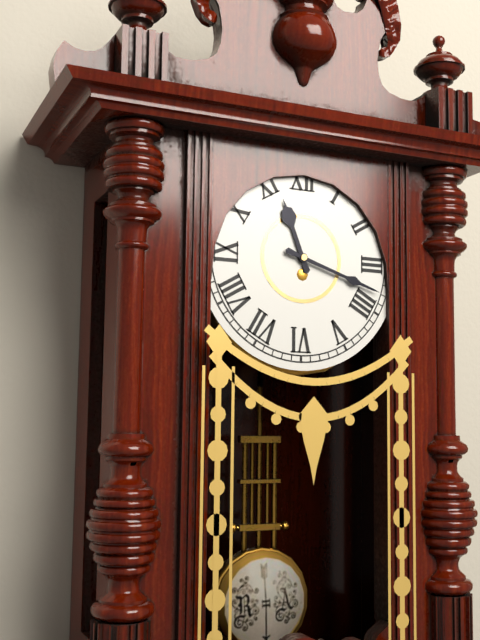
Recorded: 11h18
